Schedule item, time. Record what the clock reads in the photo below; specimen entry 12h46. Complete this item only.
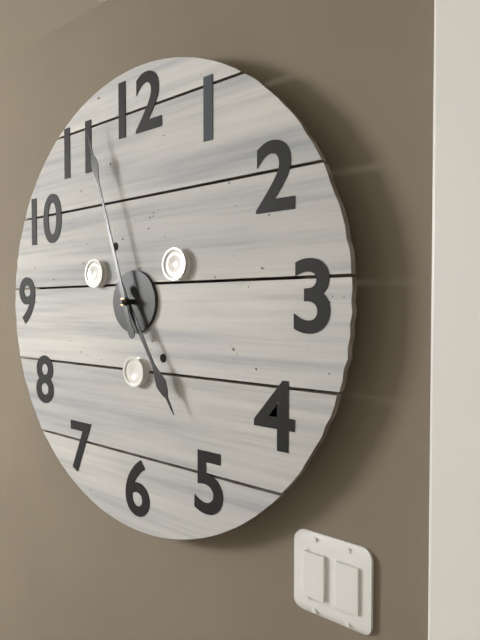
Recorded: 4h57
